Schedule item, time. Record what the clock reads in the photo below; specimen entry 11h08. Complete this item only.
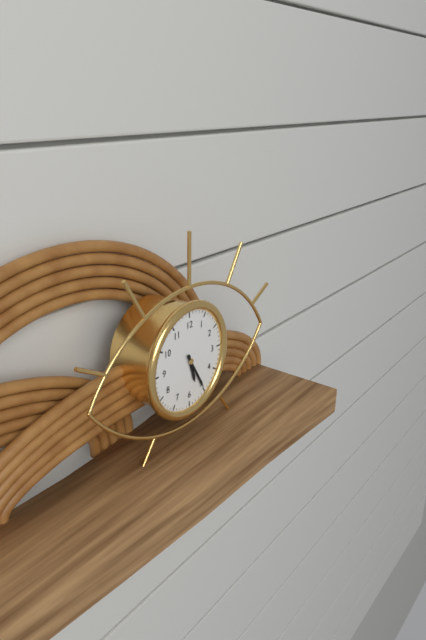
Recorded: 5h25
